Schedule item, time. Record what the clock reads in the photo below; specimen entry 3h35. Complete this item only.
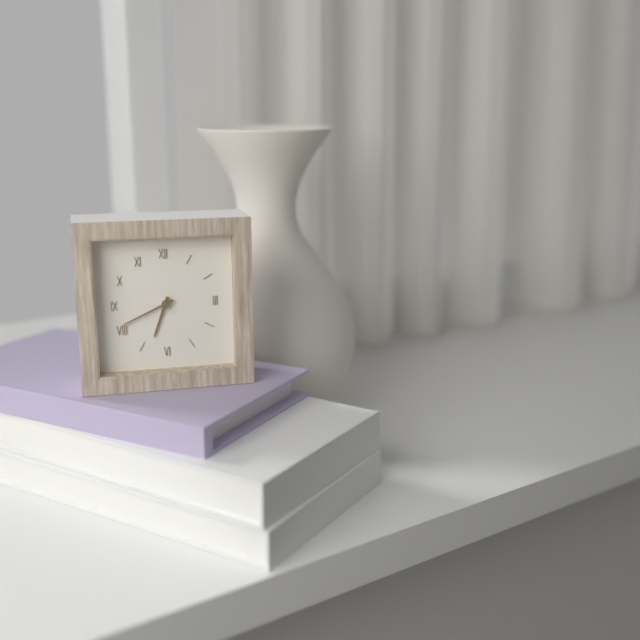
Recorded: 6h41
